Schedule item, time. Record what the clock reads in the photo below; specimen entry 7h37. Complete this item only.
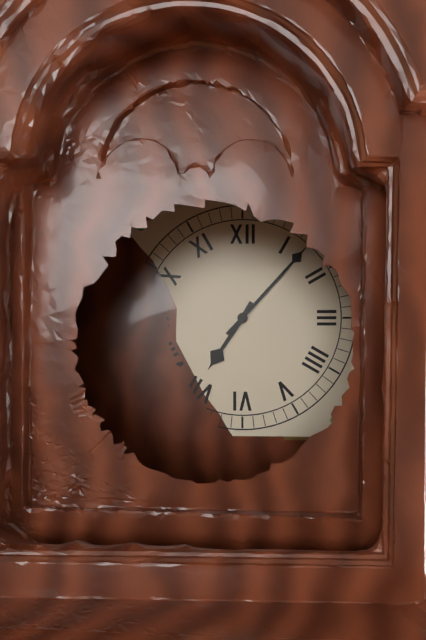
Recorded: 7h07
